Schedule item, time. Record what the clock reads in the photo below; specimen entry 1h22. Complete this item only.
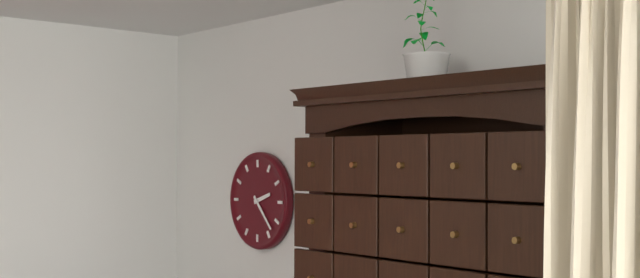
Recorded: 2h23
